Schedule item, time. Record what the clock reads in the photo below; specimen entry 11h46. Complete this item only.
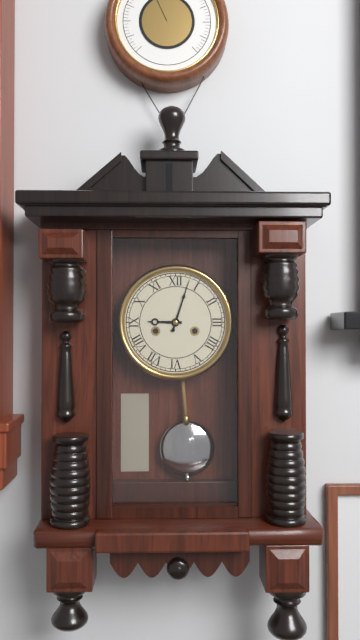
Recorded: 9h03
